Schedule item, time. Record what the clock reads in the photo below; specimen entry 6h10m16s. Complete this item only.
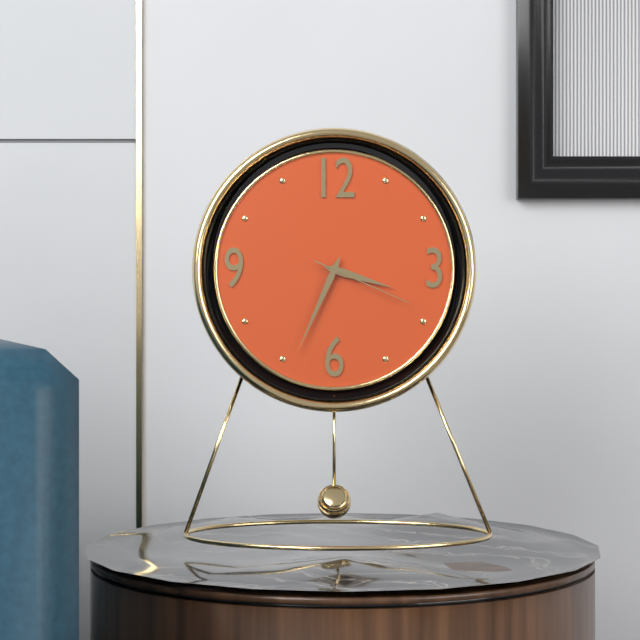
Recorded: 3h34m19s
